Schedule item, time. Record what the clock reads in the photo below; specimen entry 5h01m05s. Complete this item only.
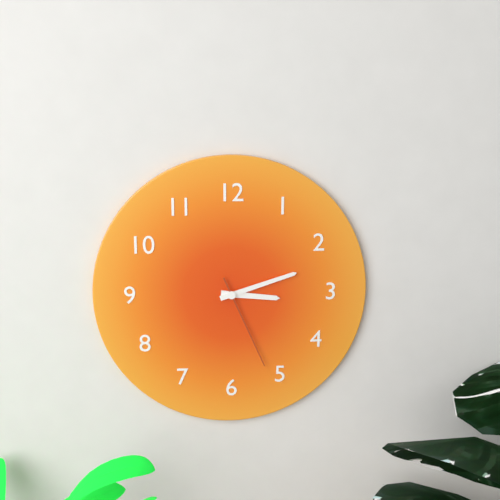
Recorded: 3h12m26s
